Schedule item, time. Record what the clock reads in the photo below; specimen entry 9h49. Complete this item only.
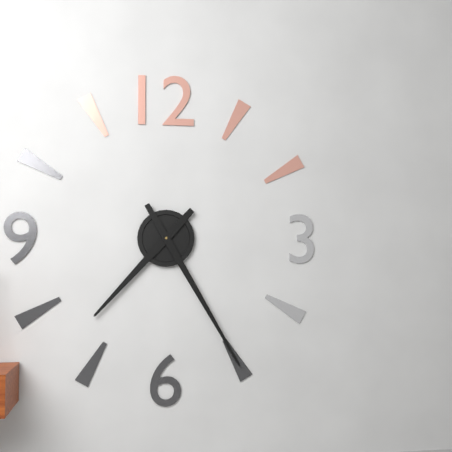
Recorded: 7h25
